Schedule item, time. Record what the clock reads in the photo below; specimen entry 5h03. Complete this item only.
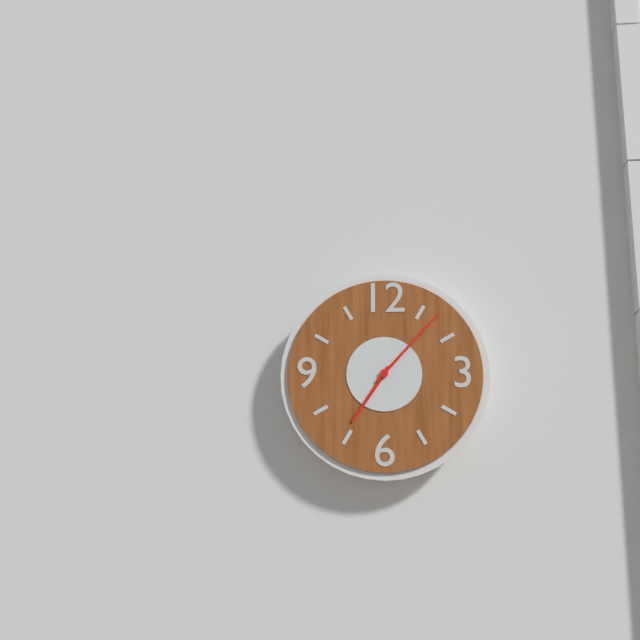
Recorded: 7h07
